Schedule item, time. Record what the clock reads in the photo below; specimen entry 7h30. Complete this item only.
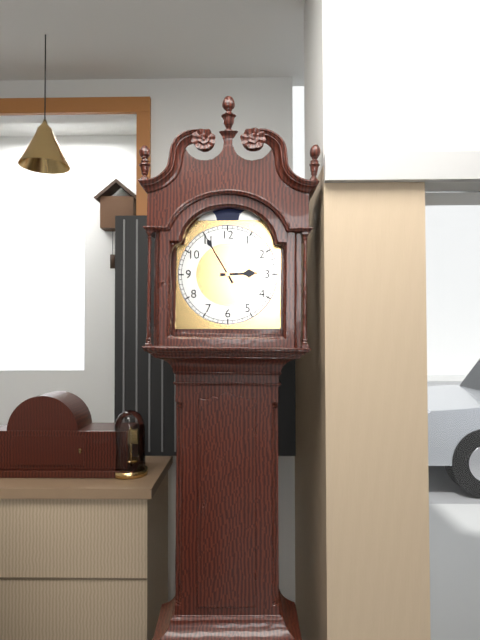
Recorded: 2h55
